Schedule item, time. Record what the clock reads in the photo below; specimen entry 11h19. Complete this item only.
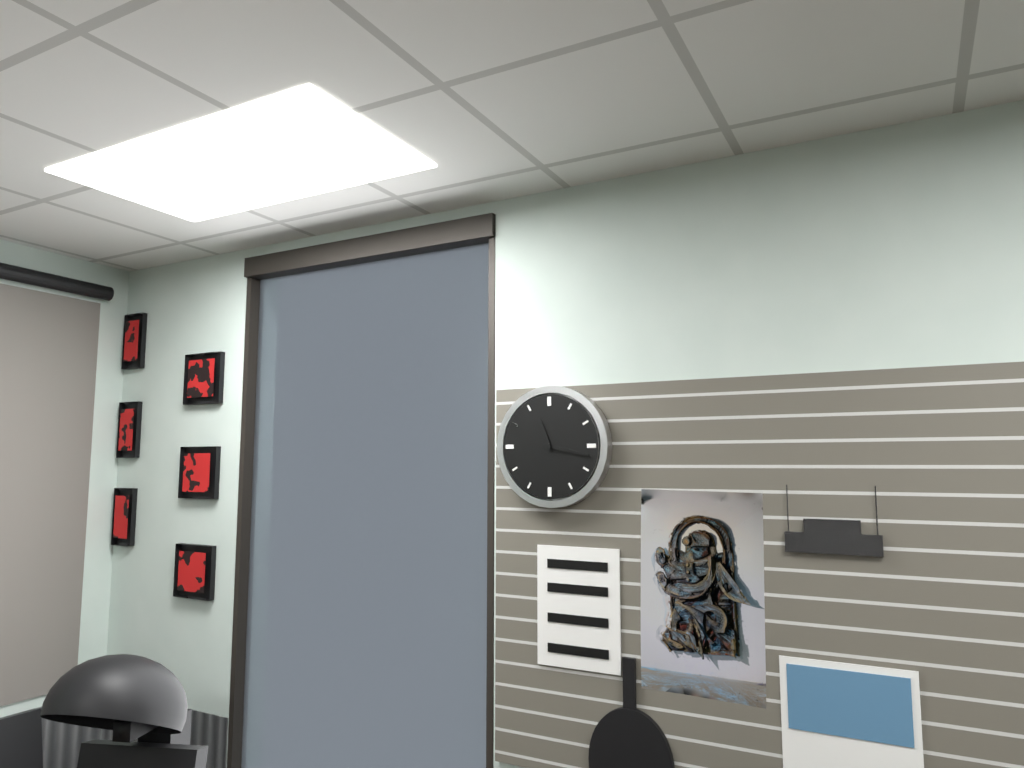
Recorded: 11h17
